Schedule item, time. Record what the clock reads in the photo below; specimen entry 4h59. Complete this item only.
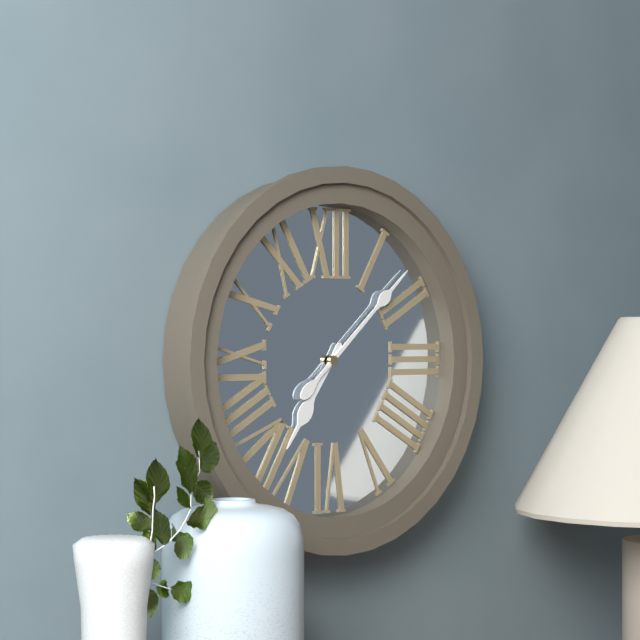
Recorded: 7h08
